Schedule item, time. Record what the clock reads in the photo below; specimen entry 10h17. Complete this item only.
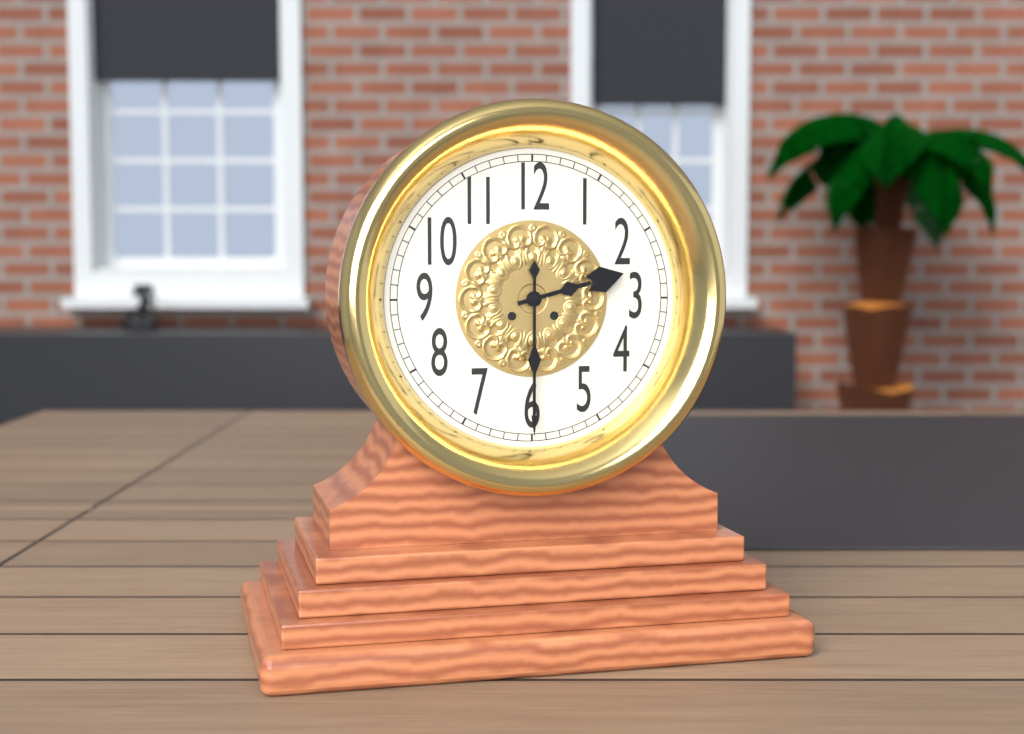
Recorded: 2h30
